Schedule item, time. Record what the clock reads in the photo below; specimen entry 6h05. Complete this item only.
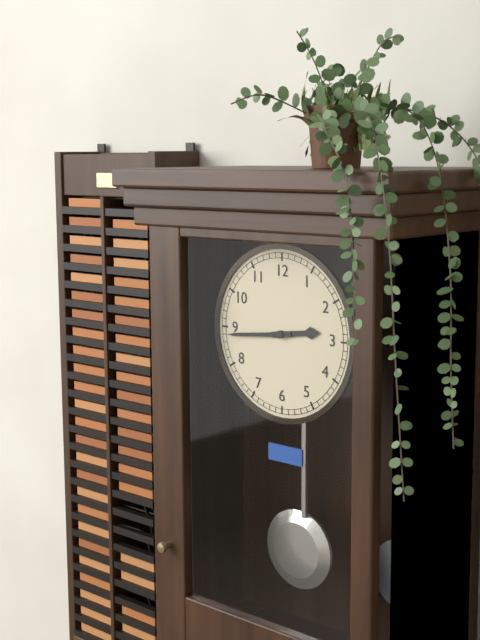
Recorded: 2h44
